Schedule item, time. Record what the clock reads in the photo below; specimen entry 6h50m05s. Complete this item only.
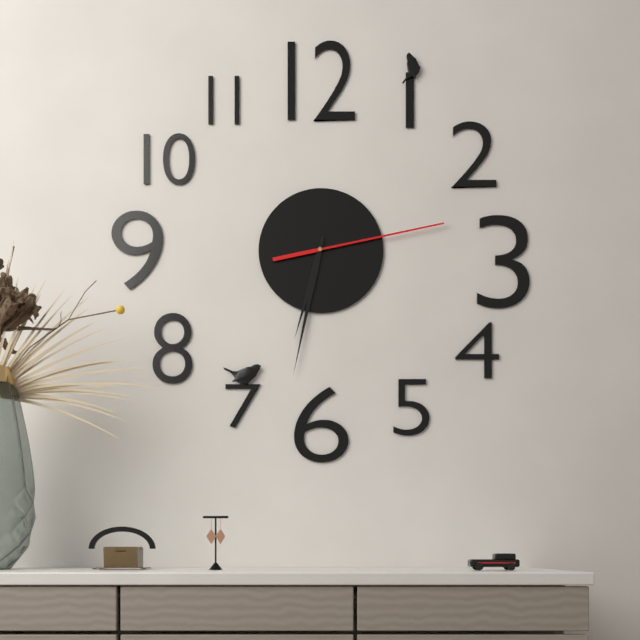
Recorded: 6h32m13s
